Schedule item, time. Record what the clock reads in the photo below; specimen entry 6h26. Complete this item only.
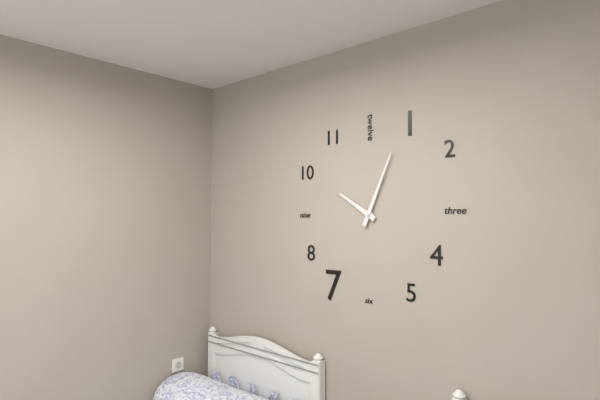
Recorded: 10h04
